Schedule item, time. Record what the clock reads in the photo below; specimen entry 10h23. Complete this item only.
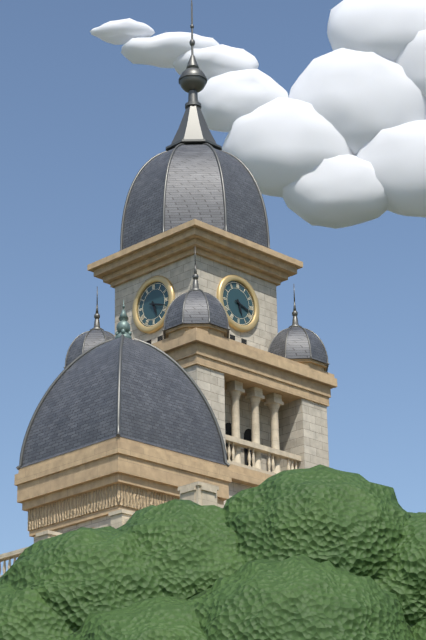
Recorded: 5h18
